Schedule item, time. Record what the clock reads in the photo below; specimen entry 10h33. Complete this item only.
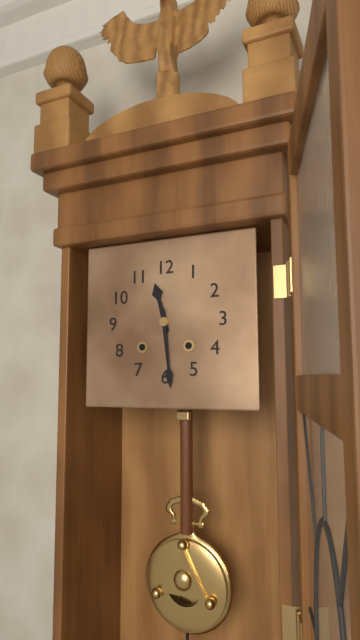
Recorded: 11h29
